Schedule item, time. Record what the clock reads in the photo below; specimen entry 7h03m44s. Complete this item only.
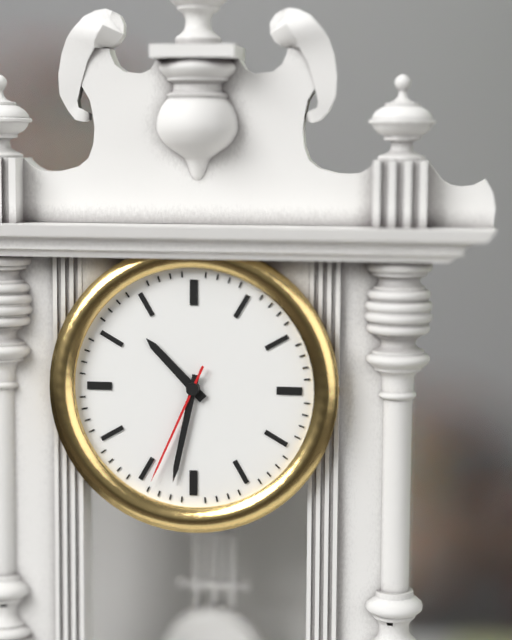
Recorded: 10h32m34s
